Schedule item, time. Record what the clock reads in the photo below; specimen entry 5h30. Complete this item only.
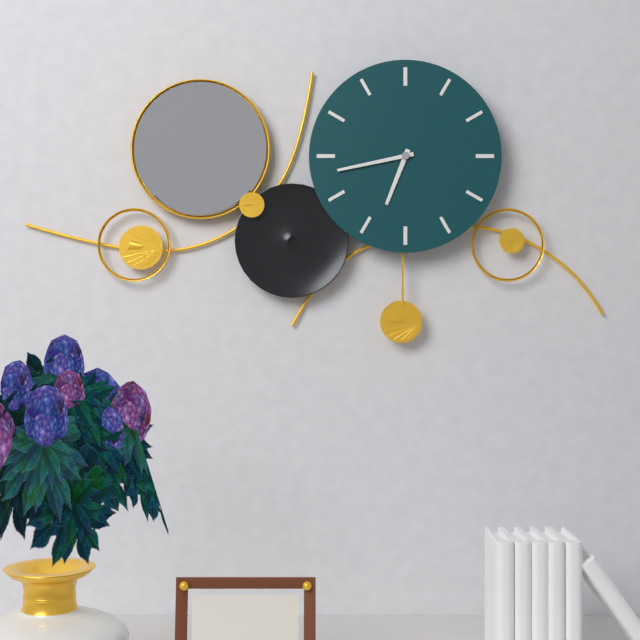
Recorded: 6h43
